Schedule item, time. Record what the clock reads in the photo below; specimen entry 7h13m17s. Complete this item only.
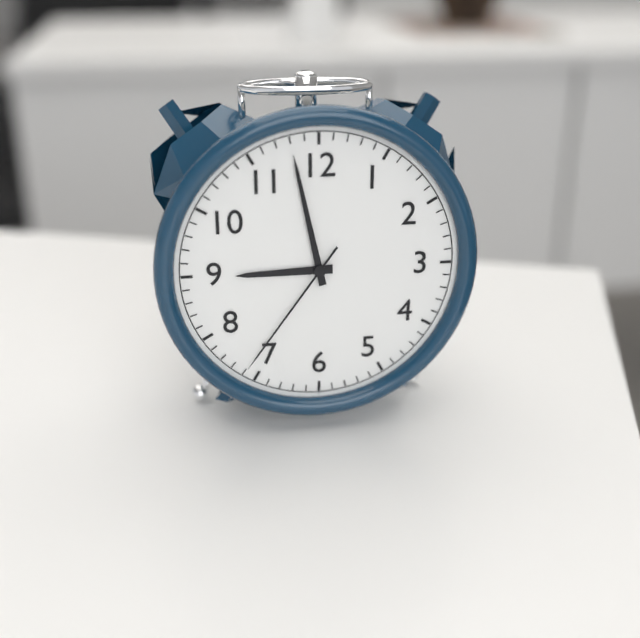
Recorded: 8h58m36s
